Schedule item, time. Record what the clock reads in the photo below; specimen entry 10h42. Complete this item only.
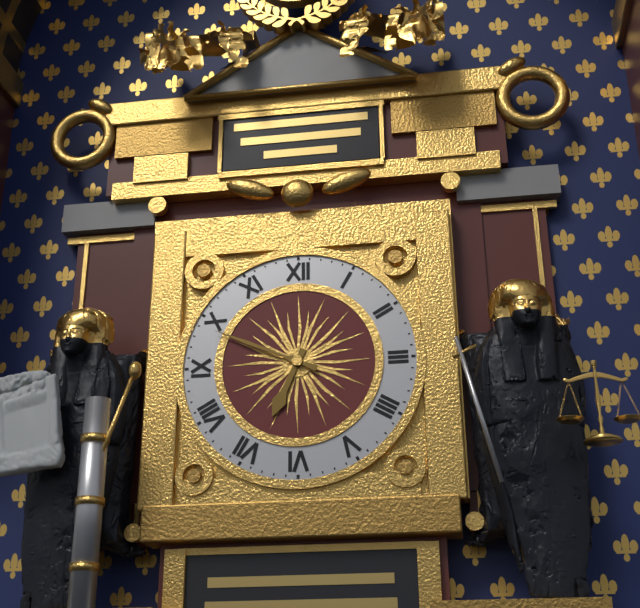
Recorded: 6h49
